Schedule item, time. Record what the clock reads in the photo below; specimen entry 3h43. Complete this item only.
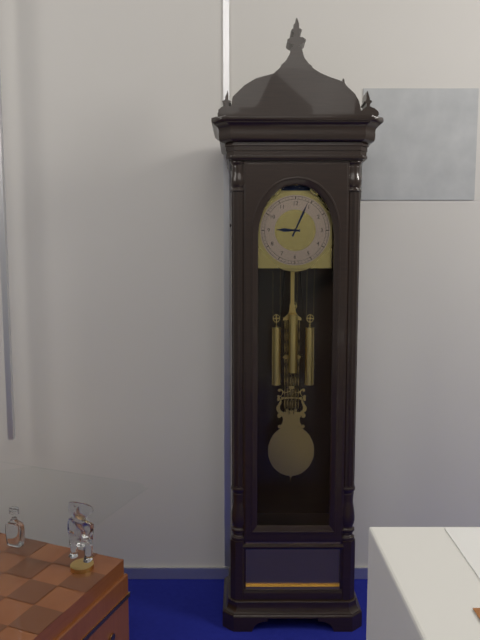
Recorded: 9h04
